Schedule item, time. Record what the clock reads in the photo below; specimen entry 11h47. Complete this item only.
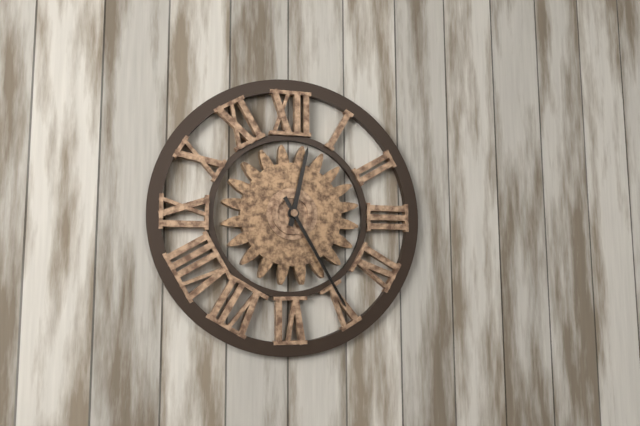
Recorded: 12h25
